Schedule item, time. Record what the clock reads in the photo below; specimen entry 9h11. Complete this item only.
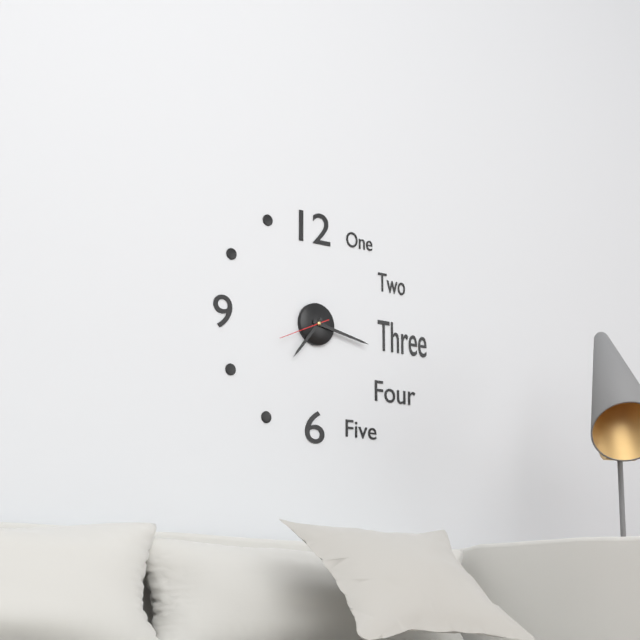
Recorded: 7h17
